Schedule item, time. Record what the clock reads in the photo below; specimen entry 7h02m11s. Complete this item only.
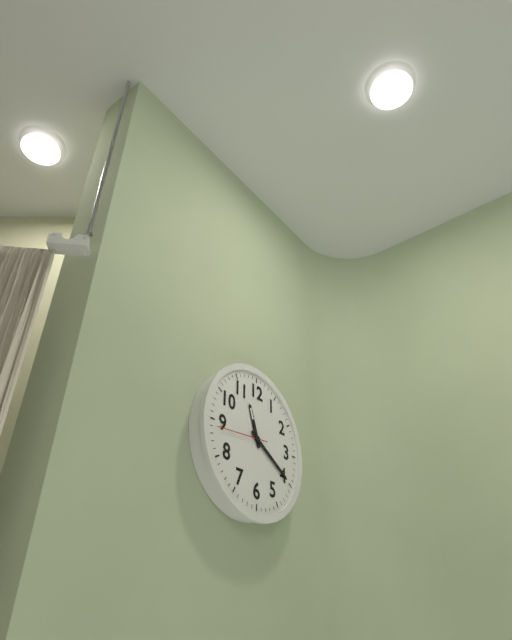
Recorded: 11h20m44s
